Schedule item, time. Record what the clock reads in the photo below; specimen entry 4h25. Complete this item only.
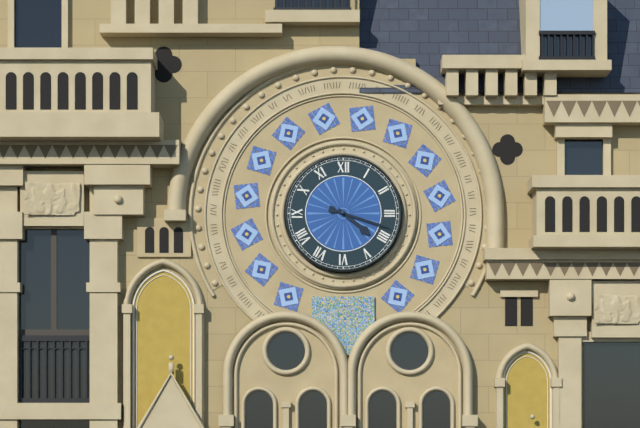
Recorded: 4h18
